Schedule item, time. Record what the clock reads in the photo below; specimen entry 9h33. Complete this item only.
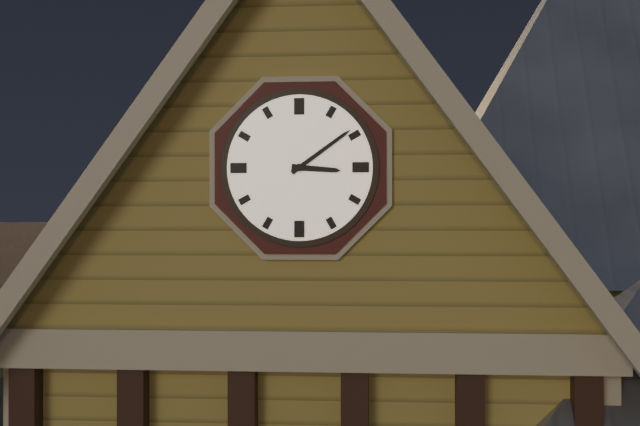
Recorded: 3h09
